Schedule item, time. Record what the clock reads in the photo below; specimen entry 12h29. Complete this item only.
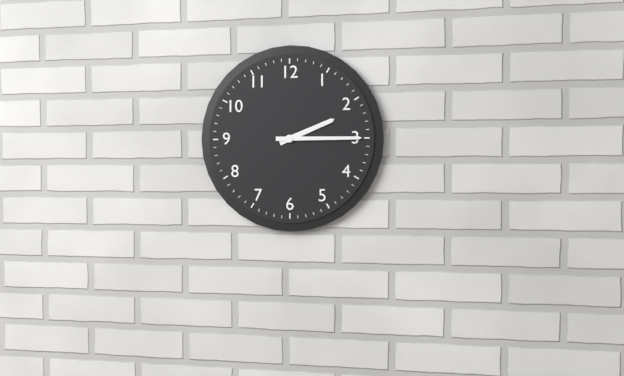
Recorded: 2h15
